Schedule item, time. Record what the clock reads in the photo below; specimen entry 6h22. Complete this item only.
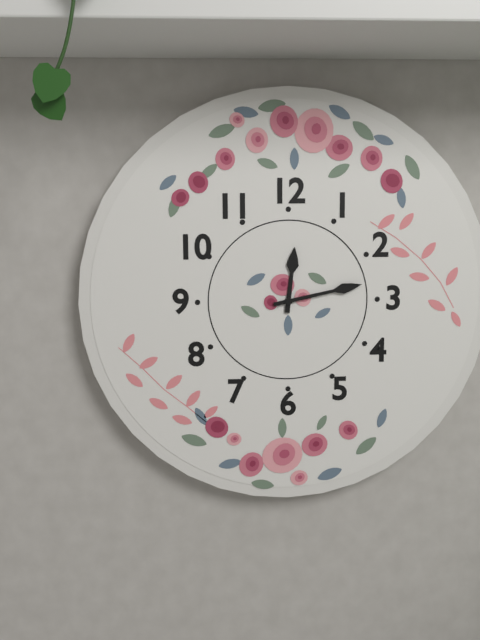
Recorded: 12h13
